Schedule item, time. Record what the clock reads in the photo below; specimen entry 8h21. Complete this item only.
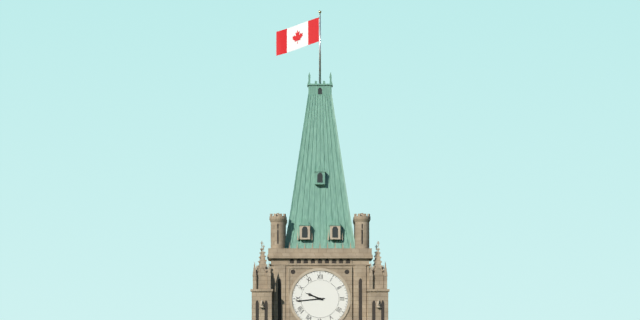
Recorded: 9h44
